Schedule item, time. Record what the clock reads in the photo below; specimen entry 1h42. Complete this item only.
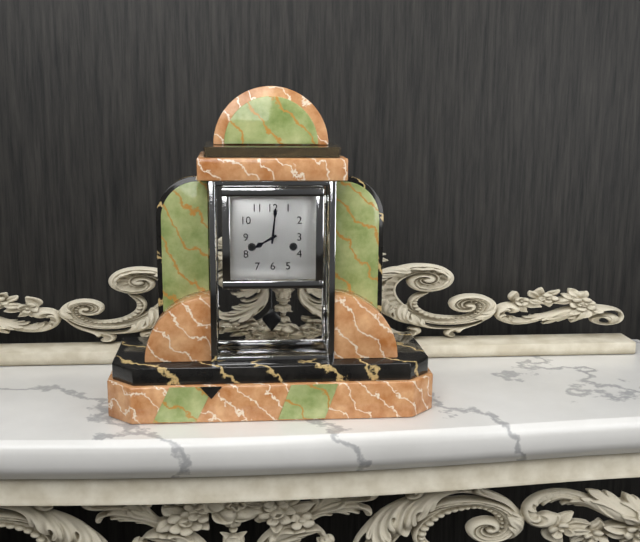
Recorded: 8h01
